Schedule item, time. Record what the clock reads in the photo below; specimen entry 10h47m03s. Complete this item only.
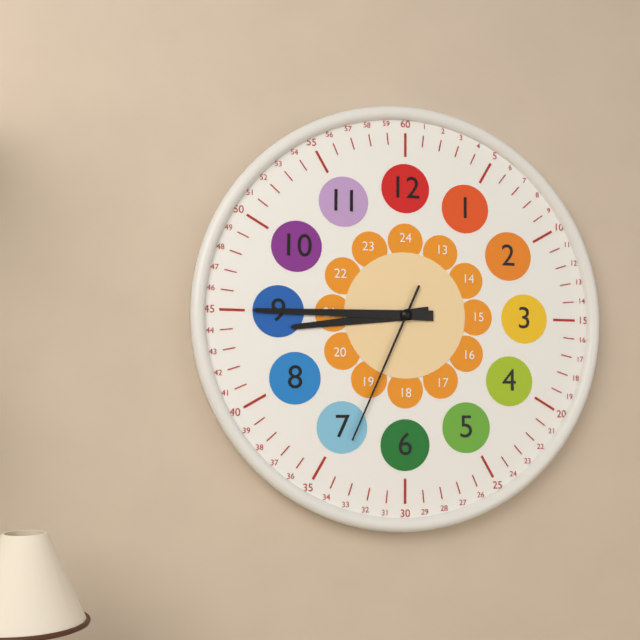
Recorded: 8h45m34s
